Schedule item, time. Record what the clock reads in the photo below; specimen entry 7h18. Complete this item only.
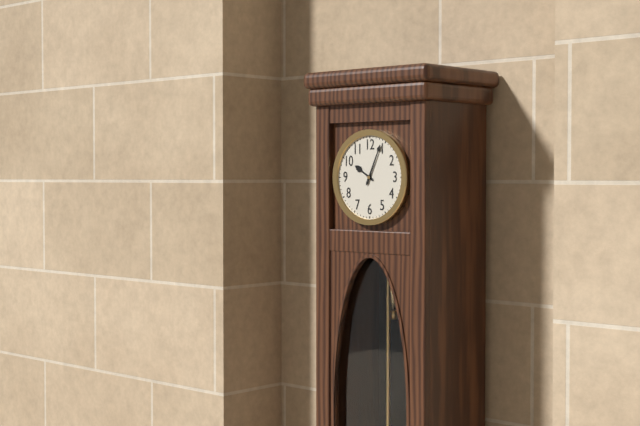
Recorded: 10h04
